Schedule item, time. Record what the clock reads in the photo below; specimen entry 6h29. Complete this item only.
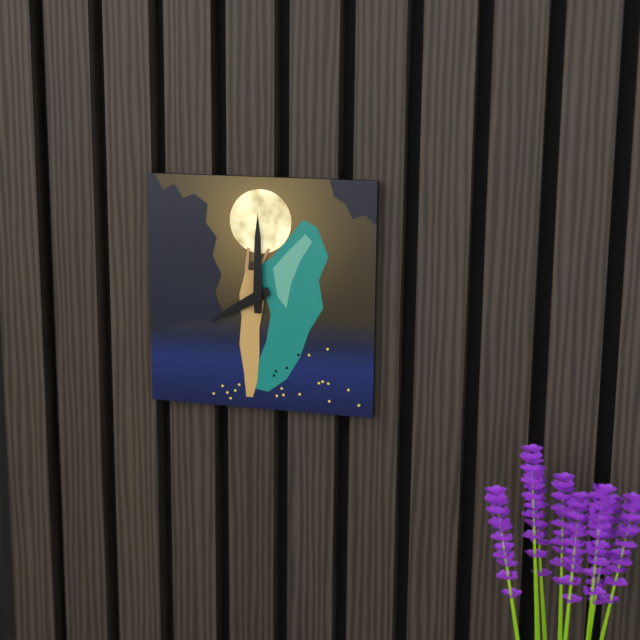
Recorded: 8h00
